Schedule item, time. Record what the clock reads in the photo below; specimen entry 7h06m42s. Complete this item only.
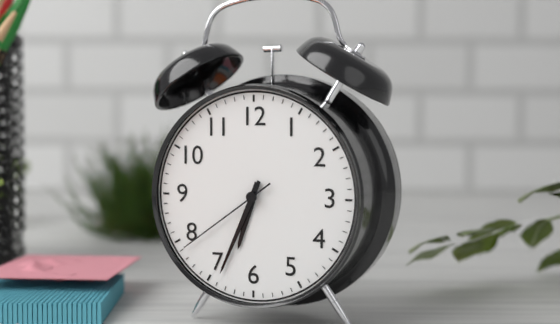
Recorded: 6h34m39s
